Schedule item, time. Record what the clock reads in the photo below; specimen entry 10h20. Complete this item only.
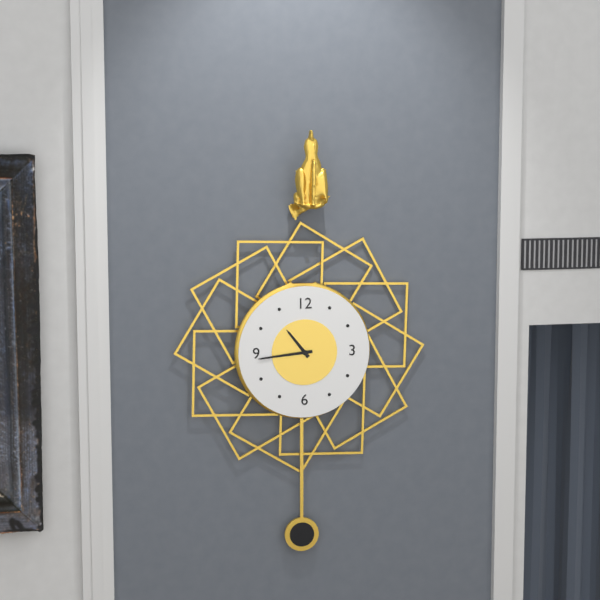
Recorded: 10h44
